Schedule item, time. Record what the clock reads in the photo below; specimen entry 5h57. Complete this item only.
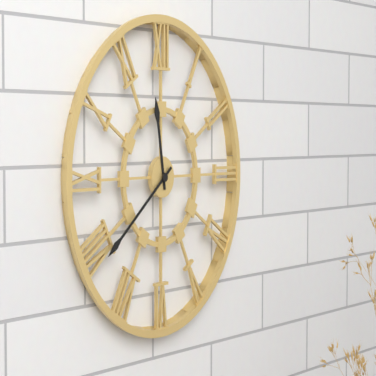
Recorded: 11h39
